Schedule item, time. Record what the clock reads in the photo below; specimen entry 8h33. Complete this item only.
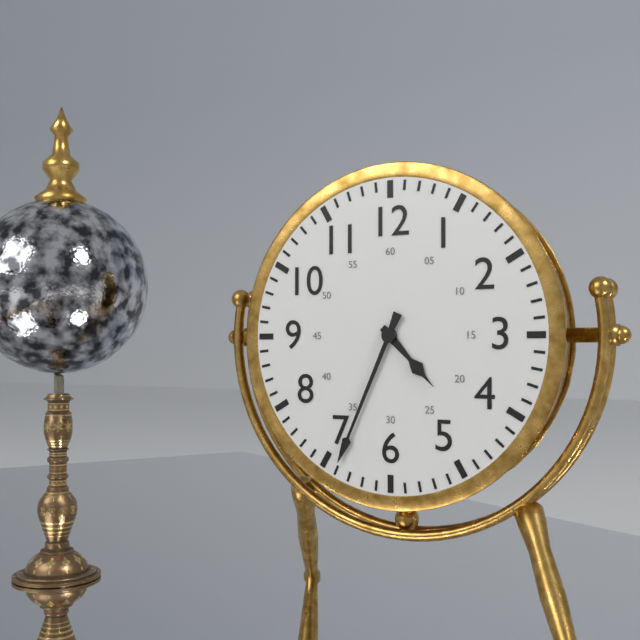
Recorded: 4h34
